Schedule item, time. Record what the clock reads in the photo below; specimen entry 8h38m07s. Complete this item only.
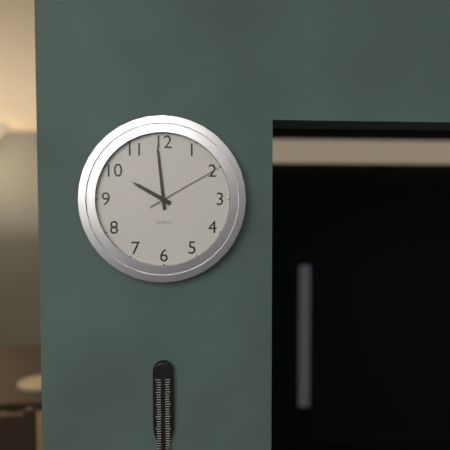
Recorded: 9h59m10s
